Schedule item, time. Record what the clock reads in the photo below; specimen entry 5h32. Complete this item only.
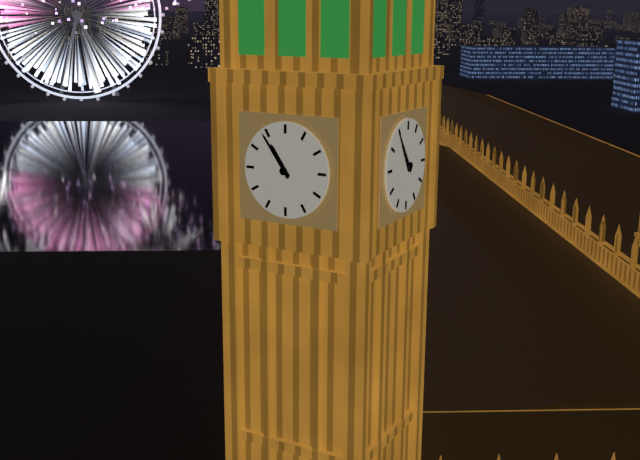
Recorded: 10h54
